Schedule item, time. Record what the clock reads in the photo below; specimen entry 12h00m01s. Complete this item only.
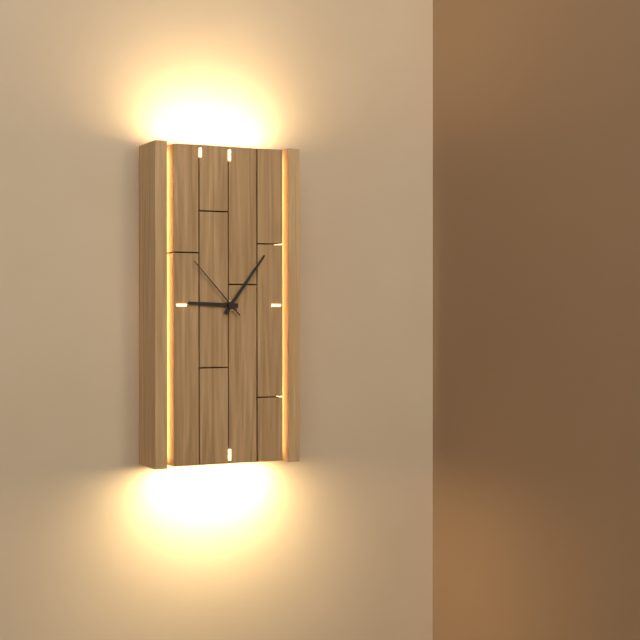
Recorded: 9h06m53s
